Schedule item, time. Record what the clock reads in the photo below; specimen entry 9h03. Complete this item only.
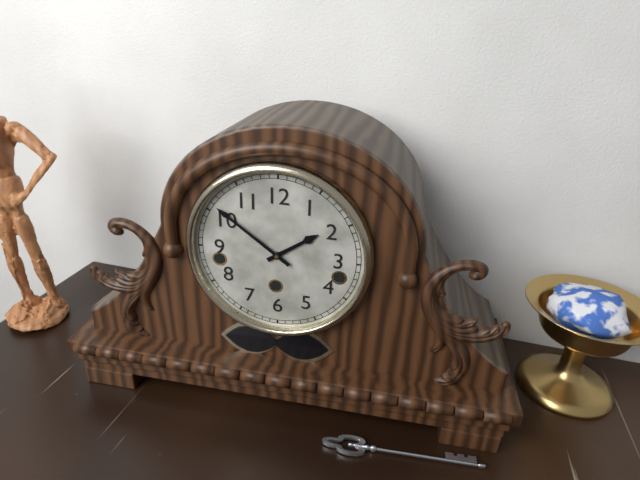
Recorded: 1h51
